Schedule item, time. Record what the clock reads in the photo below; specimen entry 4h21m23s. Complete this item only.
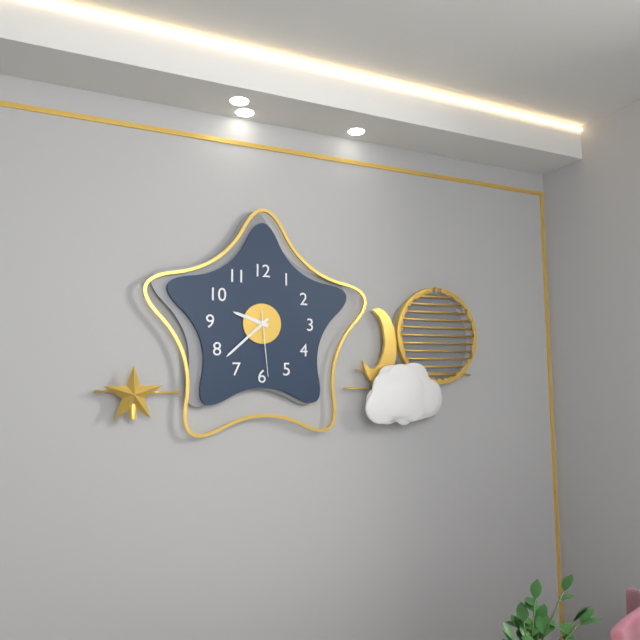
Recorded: 9h38m29s
